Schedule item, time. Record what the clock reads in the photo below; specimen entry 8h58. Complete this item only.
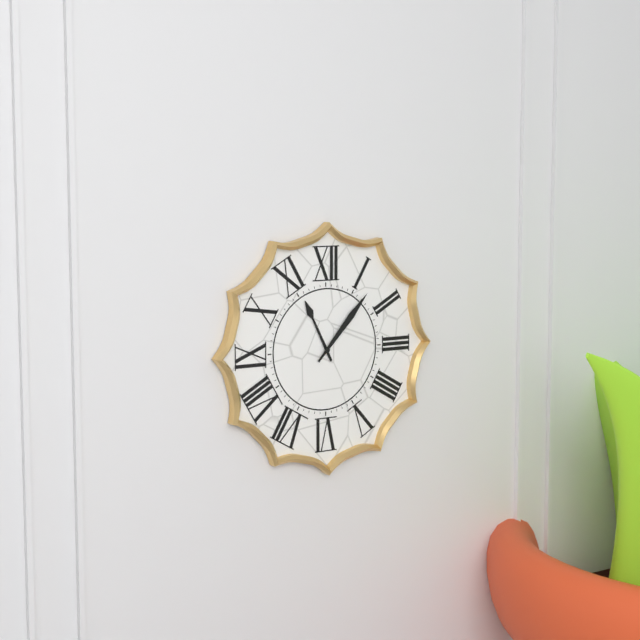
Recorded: 11h07
